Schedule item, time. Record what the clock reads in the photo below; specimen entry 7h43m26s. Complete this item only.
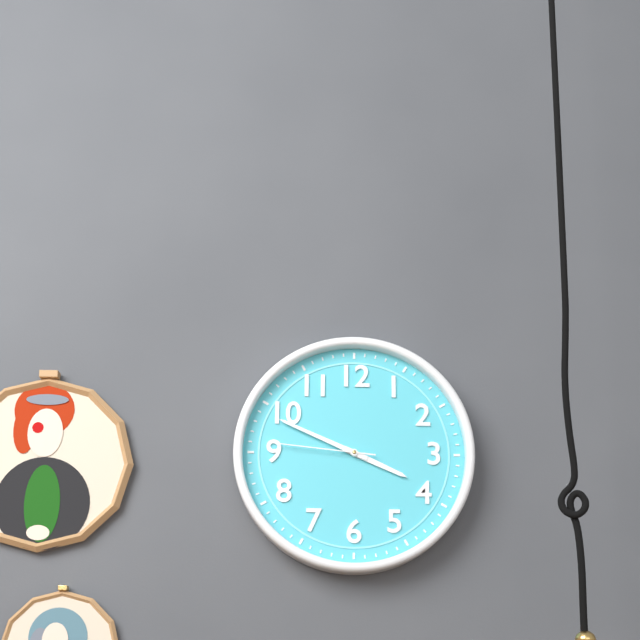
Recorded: 3h49m46s
